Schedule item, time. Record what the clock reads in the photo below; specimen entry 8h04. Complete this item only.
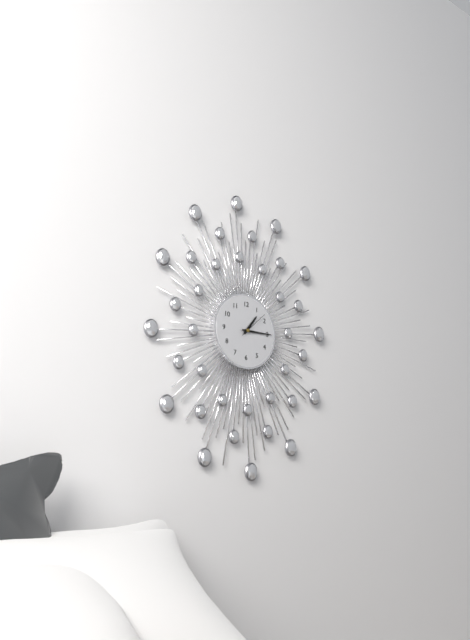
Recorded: 1h15
